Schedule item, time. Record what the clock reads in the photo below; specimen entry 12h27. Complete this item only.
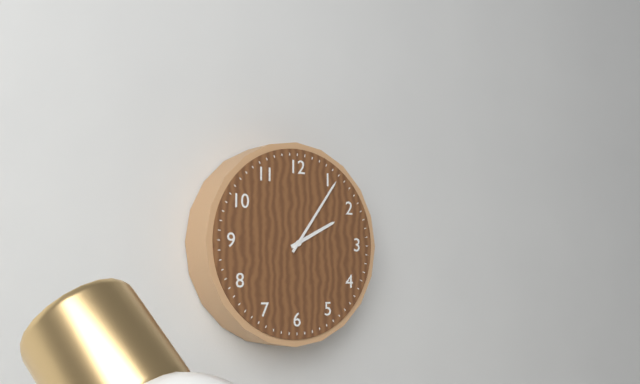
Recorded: 2h06
